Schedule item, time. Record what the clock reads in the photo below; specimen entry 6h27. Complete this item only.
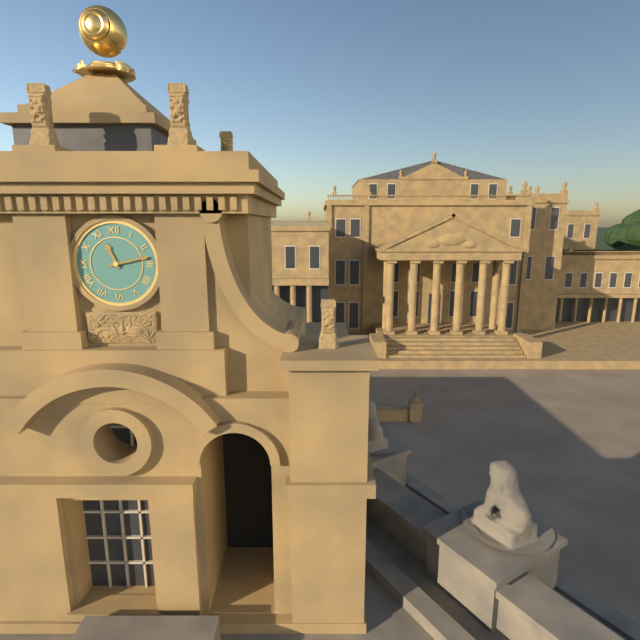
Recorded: 11h13
